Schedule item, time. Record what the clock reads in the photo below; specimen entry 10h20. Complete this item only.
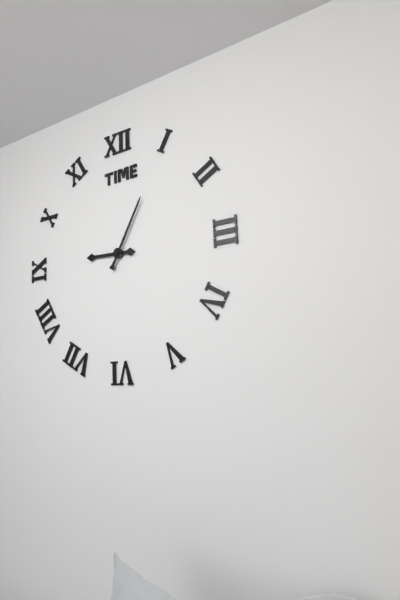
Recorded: 9h05
